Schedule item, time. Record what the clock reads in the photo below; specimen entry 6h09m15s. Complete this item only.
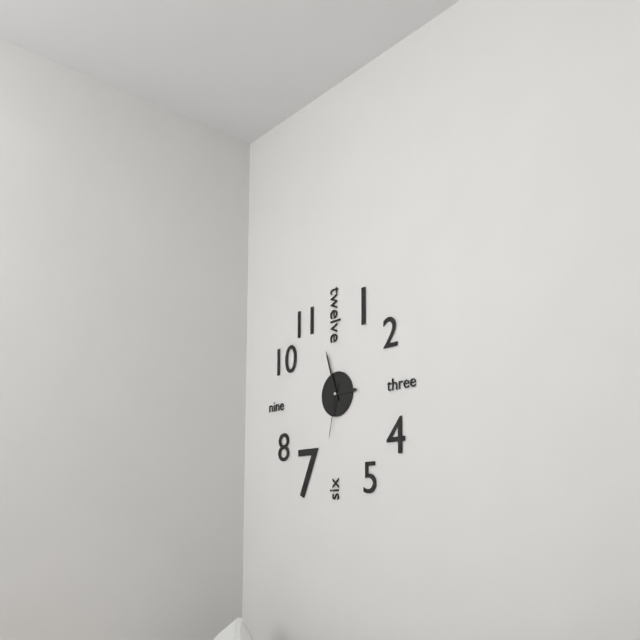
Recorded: 2h57m32s
